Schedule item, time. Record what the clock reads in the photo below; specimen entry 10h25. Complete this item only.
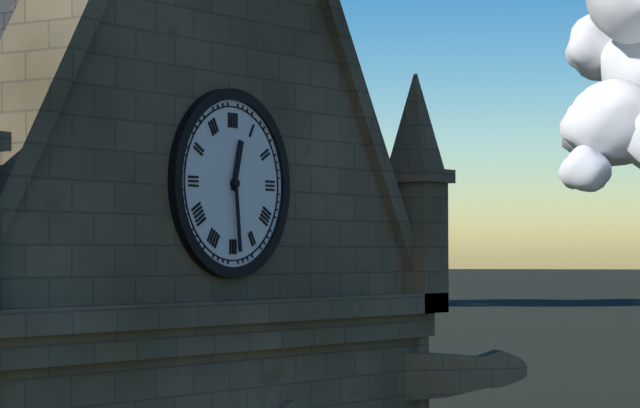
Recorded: 12h29
